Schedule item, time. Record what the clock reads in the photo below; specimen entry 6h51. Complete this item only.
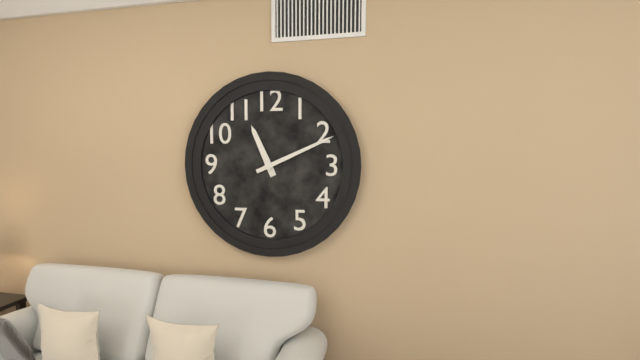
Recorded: 11h11
